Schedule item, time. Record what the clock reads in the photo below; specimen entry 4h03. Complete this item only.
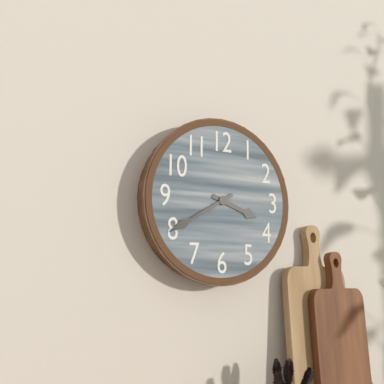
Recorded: 3h40
